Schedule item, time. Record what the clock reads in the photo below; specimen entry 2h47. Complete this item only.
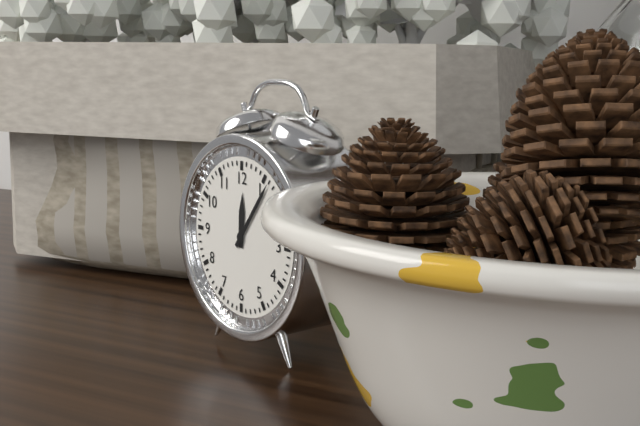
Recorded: 12h06
